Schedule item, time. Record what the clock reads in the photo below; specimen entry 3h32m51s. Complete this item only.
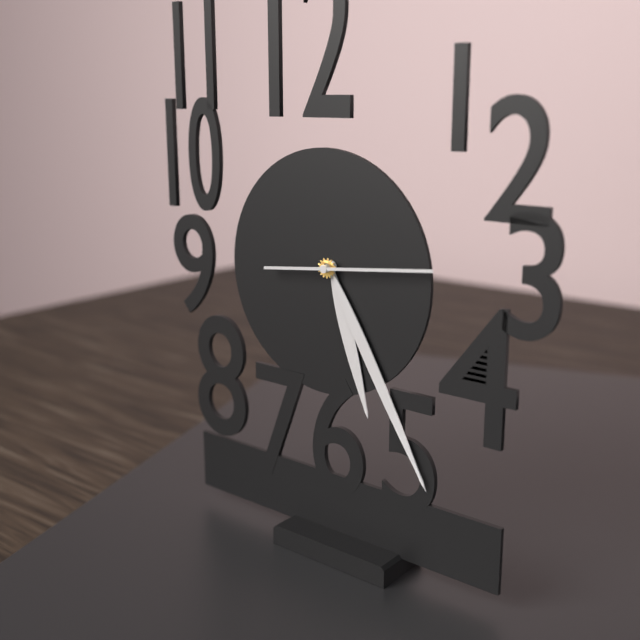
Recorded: 5h25m14s
